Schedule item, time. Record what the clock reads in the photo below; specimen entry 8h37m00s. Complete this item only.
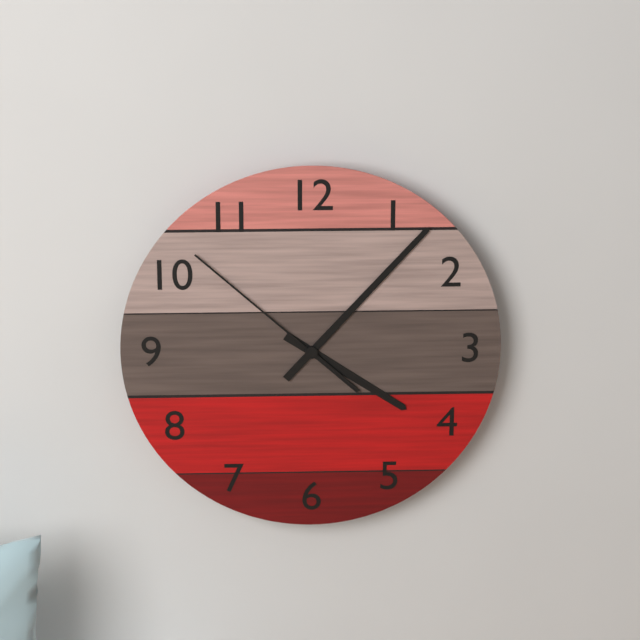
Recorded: 4h07m52s
